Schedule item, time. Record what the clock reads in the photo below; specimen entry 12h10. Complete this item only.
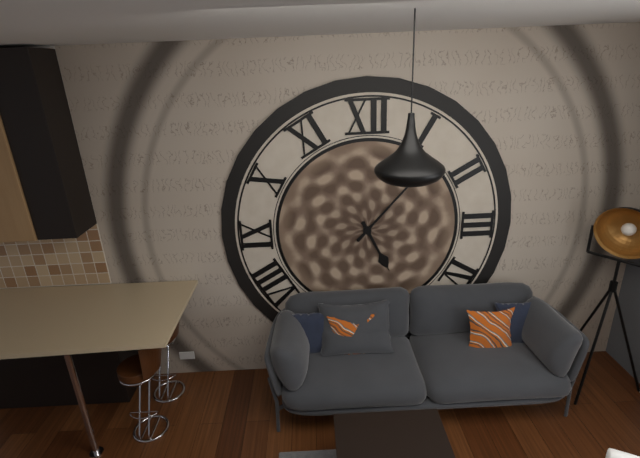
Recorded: 5h07
